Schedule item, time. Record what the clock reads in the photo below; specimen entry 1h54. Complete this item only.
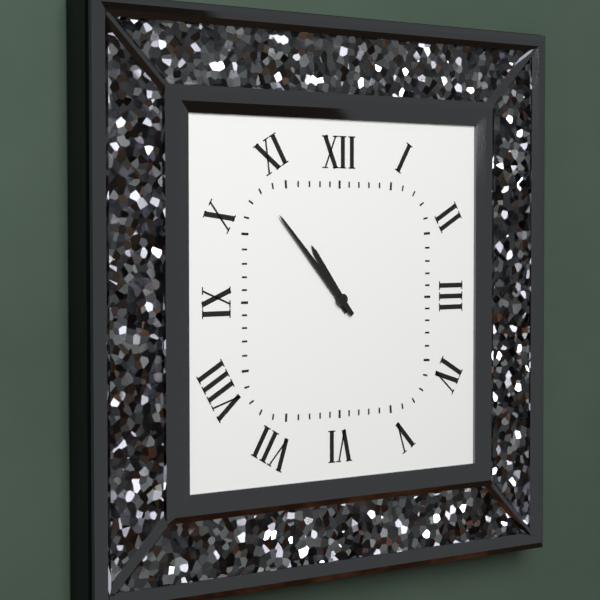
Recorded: 10h53
